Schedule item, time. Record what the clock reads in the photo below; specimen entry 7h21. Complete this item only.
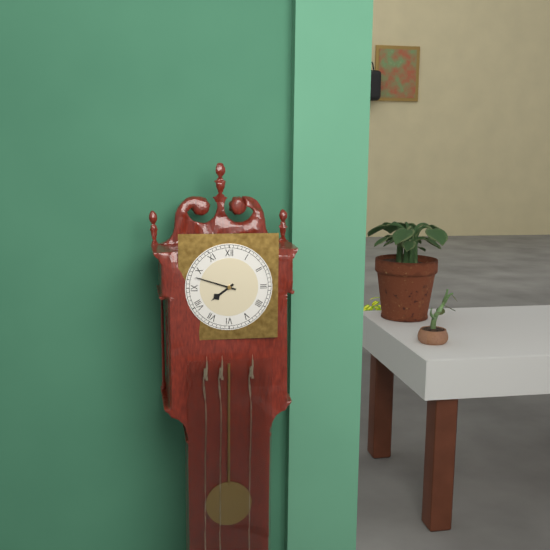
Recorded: 7h48
